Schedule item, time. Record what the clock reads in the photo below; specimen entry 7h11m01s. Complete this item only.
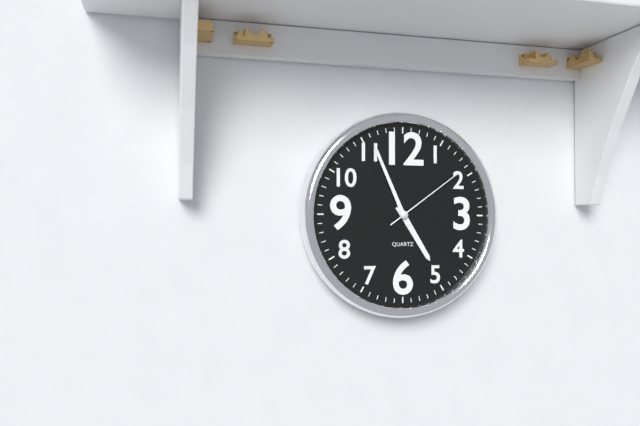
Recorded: 4h56m09s
